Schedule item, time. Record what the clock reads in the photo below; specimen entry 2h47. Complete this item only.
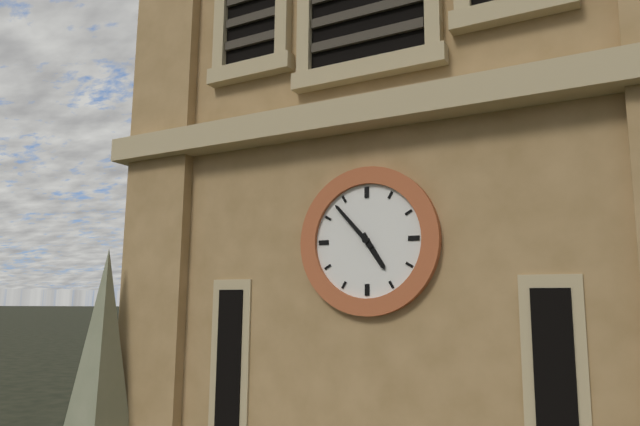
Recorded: 4h53
